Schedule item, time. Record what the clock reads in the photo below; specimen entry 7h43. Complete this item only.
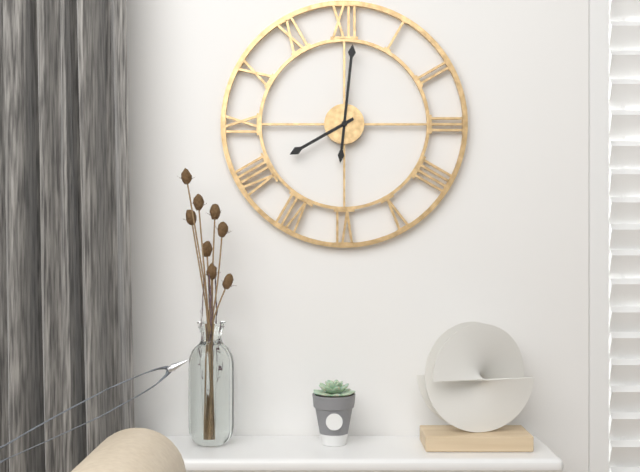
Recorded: 8h01
